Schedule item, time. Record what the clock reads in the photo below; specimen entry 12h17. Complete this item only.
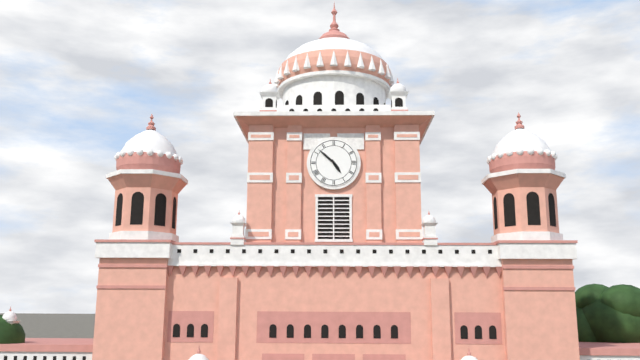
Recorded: 4h52
